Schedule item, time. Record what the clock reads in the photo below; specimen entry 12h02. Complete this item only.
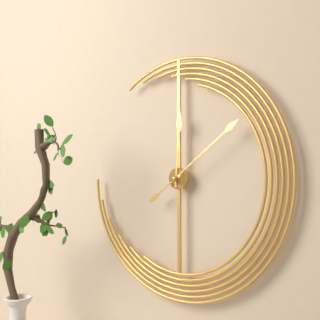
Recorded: 12h09
